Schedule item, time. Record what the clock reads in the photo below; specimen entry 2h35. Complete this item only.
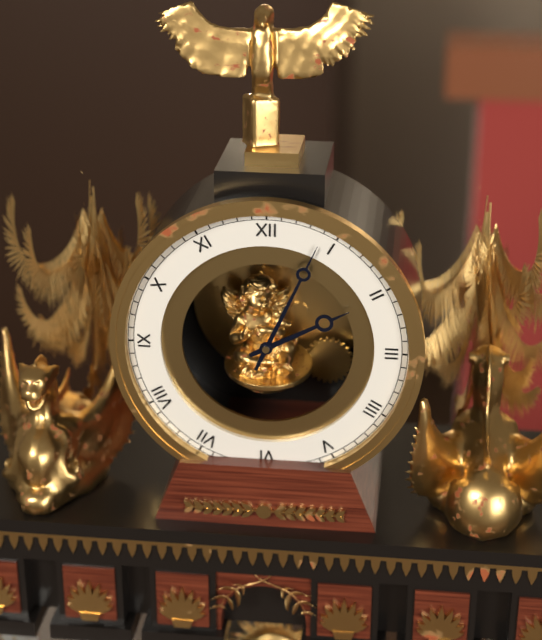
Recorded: 2h04
